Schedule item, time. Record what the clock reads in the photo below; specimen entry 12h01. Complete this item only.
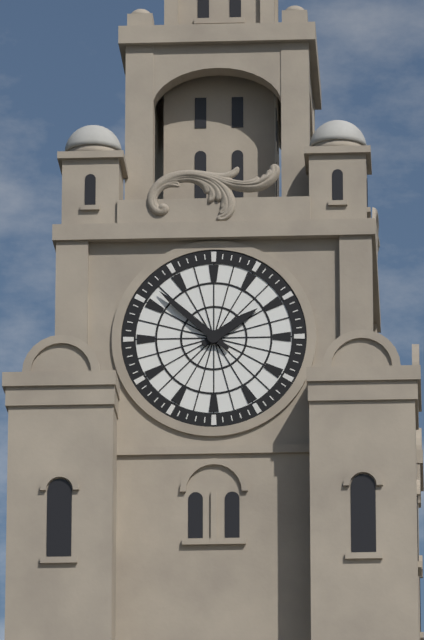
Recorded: 1h52
